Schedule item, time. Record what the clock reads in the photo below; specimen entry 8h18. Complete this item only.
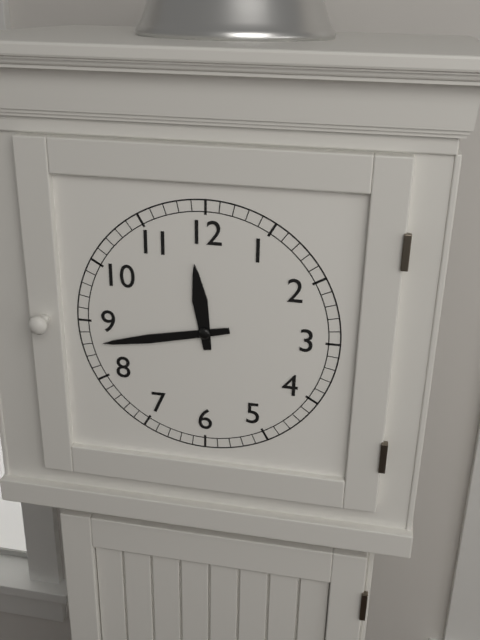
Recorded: 11h43
